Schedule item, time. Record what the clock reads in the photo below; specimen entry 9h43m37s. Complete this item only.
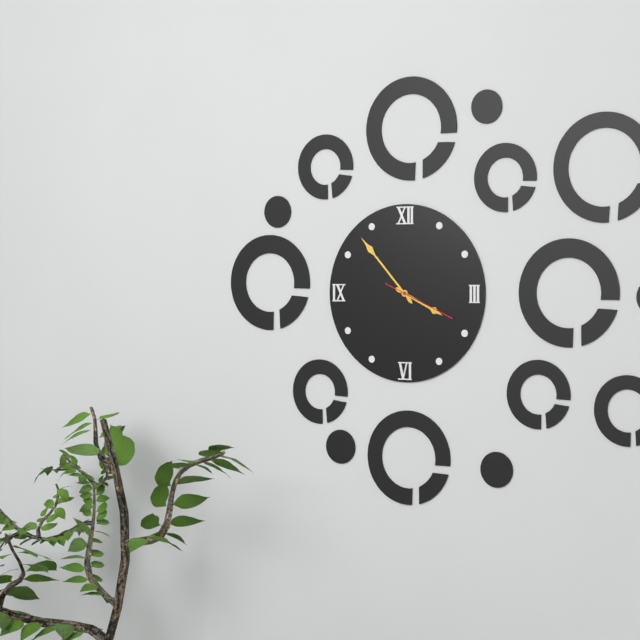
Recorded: 3h53m19s
